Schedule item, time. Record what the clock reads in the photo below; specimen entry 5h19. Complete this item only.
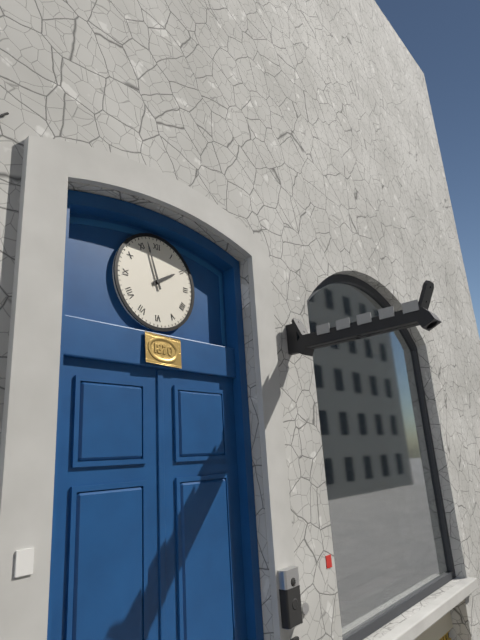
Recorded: 1h57
